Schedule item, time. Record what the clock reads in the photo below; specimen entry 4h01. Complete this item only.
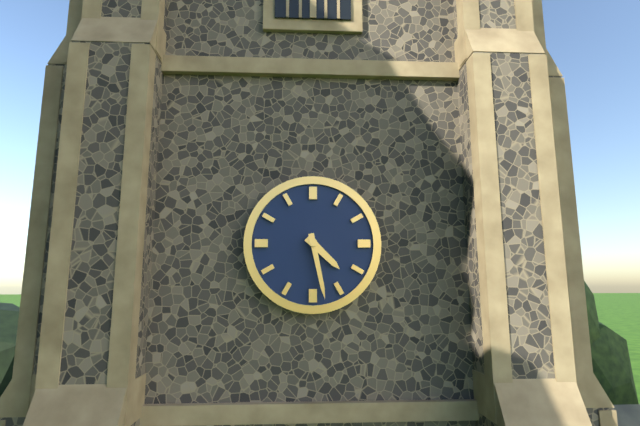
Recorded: 4h28
